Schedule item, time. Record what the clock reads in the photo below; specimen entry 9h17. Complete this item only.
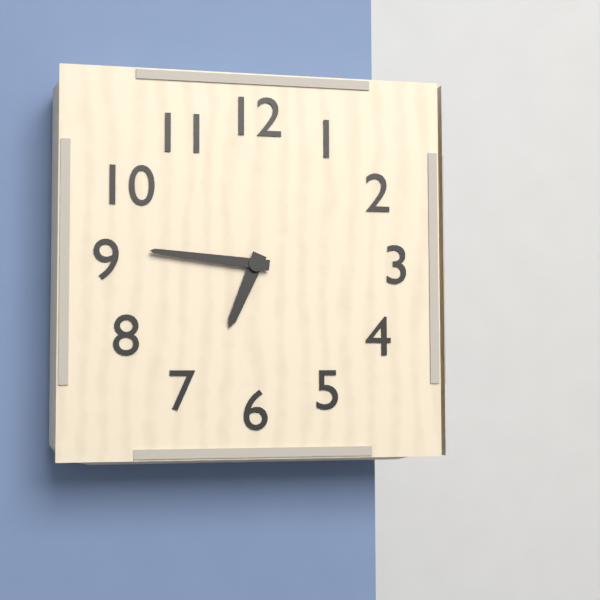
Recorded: 6h46
